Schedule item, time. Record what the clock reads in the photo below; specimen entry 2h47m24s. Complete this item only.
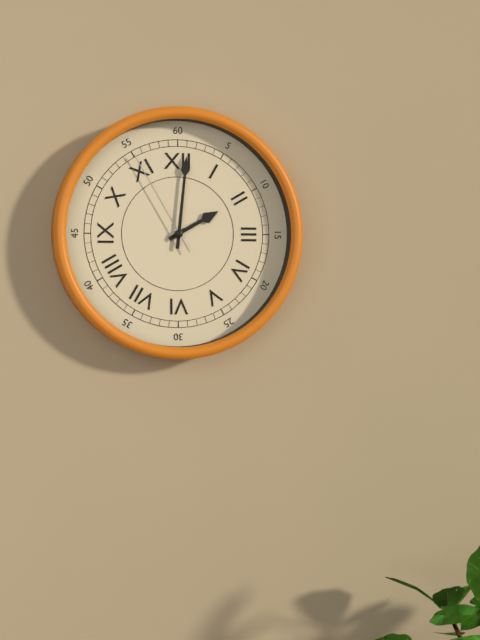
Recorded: 2h01m55s
